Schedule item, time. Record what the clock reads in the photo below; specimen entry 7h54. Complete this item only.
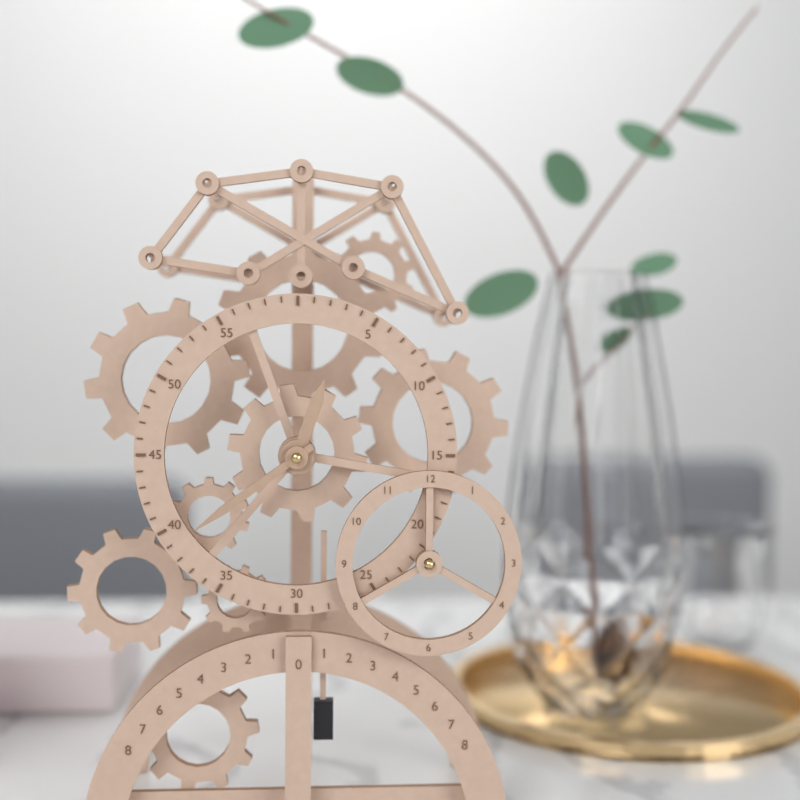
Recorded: 12h39
